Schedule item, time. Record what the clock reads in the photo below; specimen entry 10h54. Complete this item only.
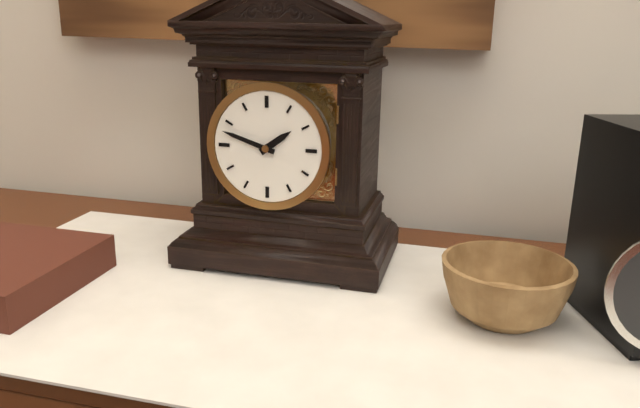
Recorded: 1h48
